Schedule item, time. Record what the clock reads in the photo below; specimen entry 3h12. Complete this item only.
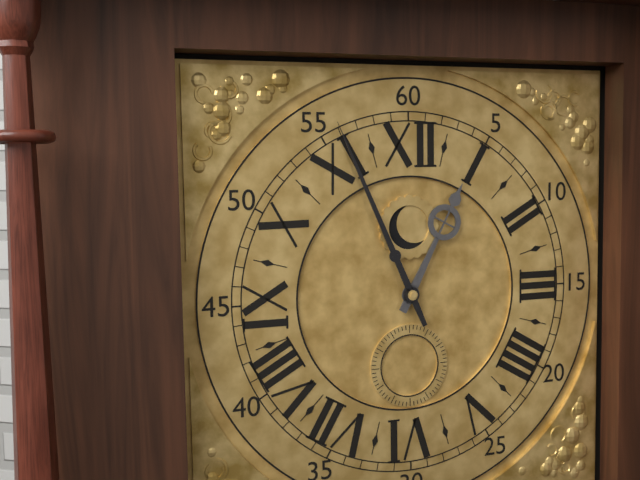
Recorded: 12h56
